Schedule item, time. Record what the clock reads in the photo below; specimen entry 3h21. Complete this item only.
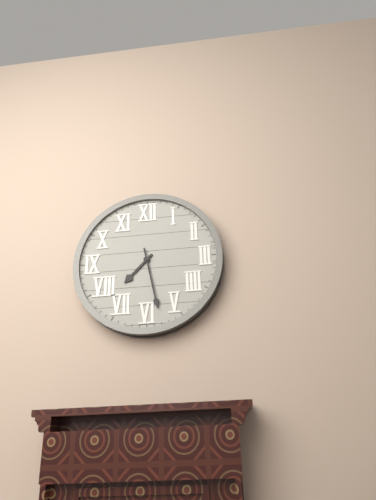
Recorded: 7h28
